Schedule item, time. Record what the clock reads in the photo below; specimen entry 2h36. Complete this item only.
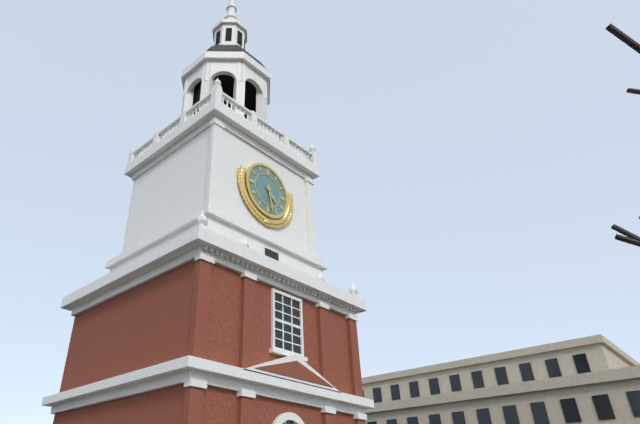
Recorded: 4h28
